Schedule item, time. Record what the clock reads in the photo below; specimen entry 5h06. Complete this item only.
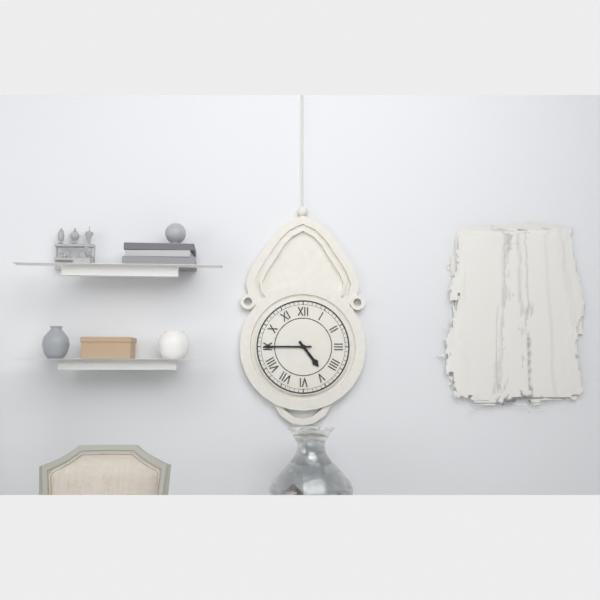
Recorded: 4h45
